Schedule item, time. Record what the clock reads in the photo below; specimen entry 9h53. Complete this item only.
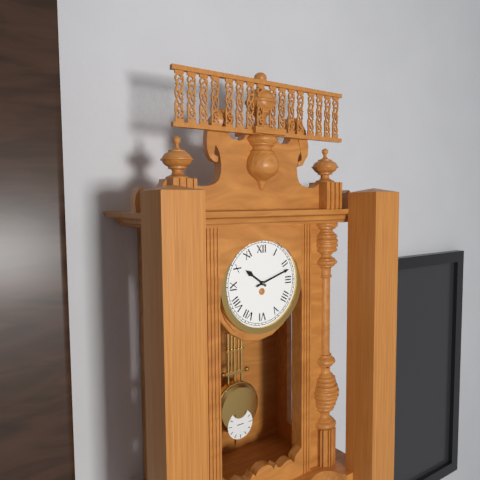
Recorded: 10h12
